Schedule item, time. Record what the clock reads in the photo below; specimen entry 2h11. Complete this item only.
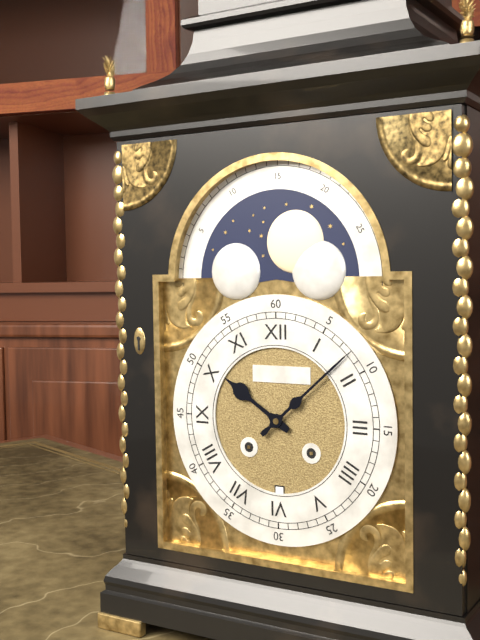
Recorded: 10h08
